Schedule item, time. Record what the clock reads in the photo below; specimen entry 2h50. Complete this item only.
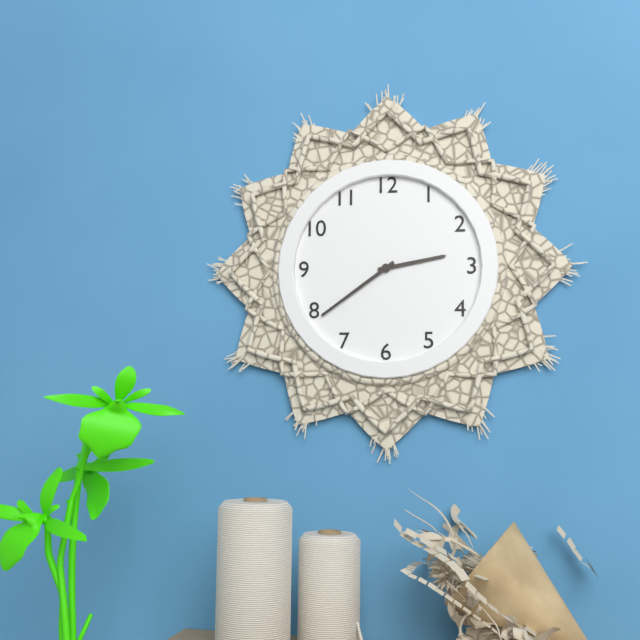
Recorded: 2h39
